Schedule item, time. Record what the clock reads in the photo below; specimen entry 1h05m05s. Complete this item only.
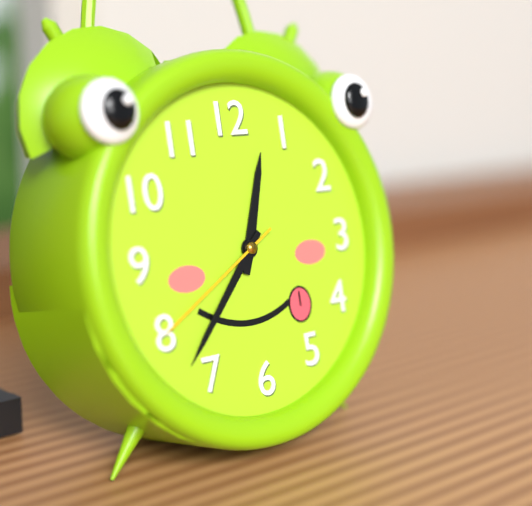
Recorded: 12h37m40s
